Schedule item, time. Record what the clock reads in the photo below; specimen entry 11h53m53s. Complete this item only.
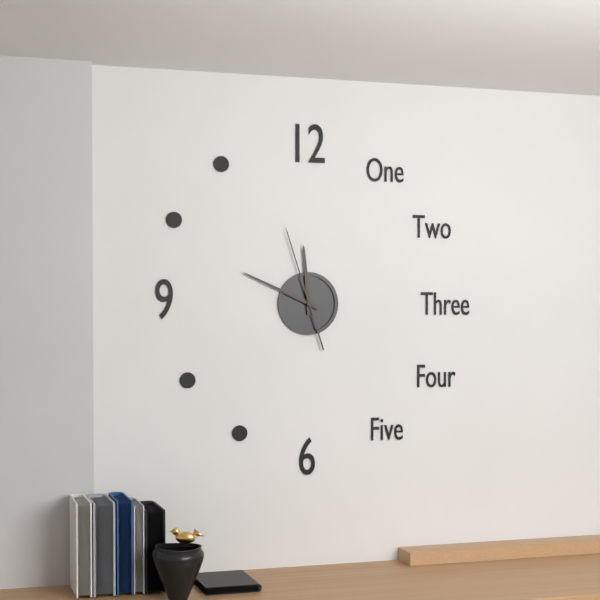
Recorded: 11h49m57s
